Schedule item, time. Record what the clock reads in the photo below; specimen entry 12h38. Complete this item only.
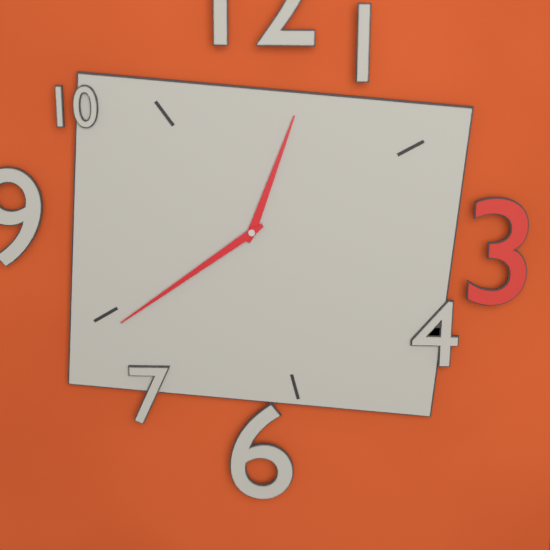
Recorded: 12h39
